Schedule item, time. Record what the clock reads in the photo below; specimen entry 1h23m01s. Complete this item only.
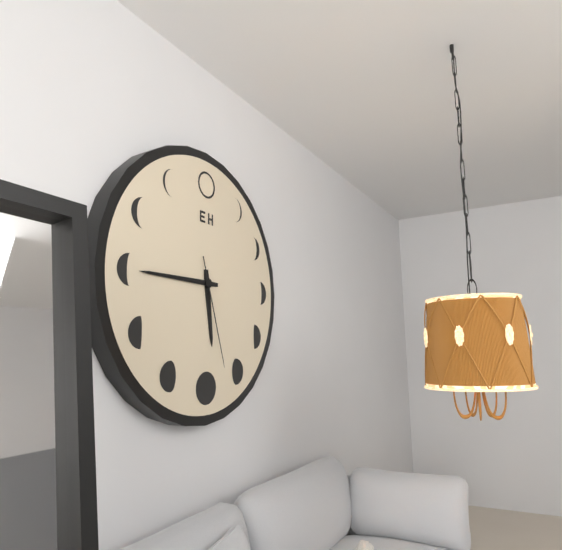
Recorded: 5h45m27s
